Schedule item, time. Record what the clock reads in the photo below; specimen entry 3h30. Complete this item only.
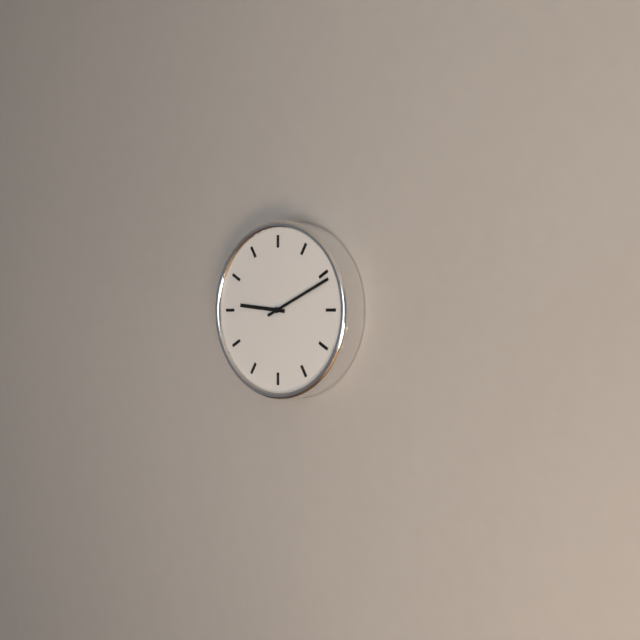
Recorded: 9h11
